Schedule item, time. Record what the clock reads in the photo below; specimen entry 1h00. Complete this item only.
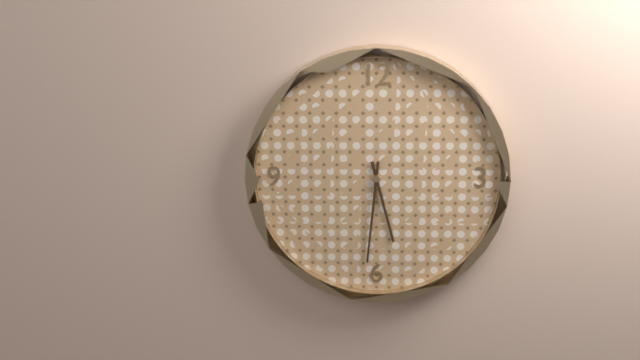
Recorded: 5h31
